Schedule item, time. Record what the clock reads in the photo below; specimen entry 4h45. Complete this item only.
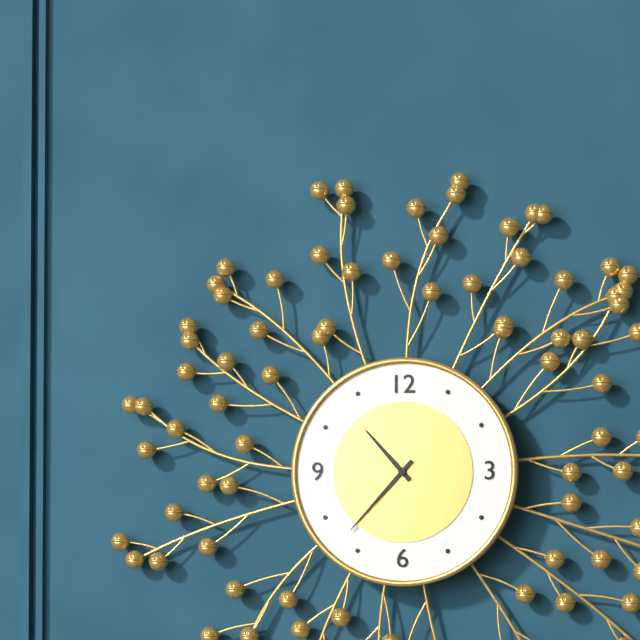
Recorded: 10h37
